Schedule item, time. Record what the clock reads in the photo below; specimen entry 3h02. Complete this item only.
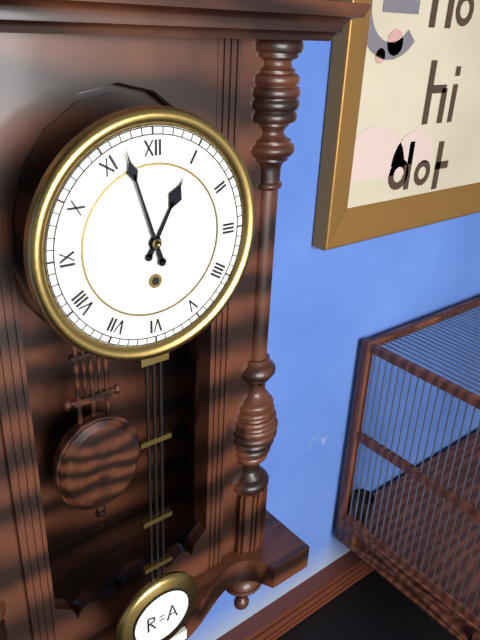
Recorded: 12h57
